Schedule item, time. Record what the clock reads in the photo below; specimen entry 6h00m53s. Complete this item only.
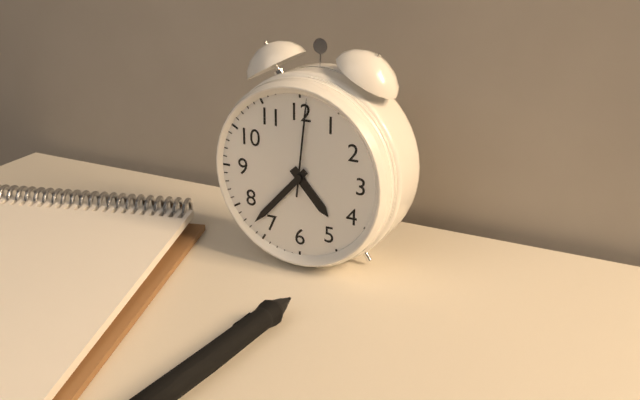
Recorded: 4h37m01s
